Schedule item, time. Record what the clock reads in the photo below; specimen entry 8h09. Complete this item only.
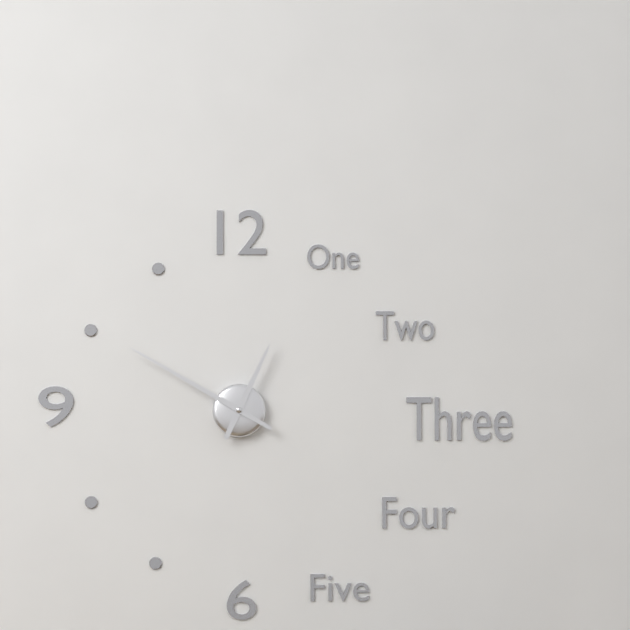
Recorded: 12h50
